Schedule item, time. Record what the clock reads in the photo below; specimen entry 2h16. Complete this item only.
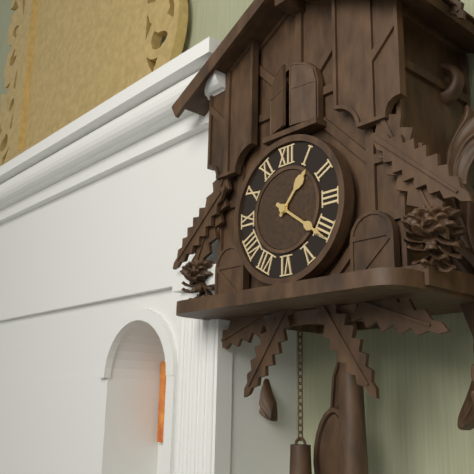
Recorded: 1h21
